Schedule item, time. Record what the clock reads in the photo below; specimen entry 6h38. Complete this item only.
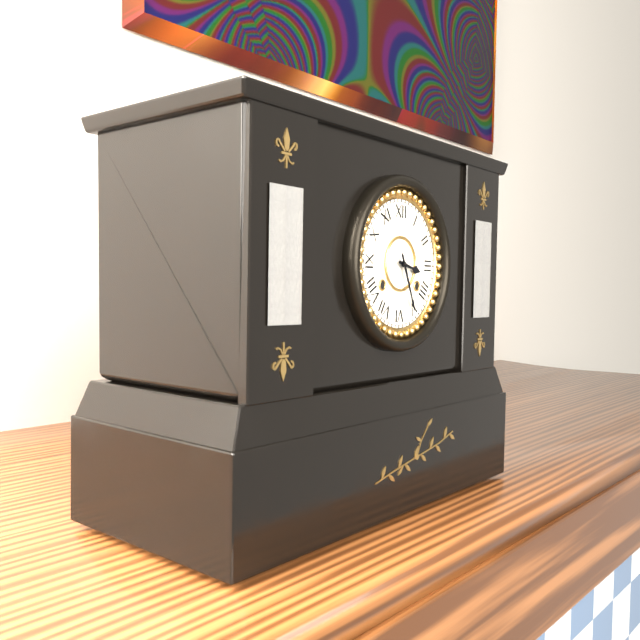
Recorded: 3h26
